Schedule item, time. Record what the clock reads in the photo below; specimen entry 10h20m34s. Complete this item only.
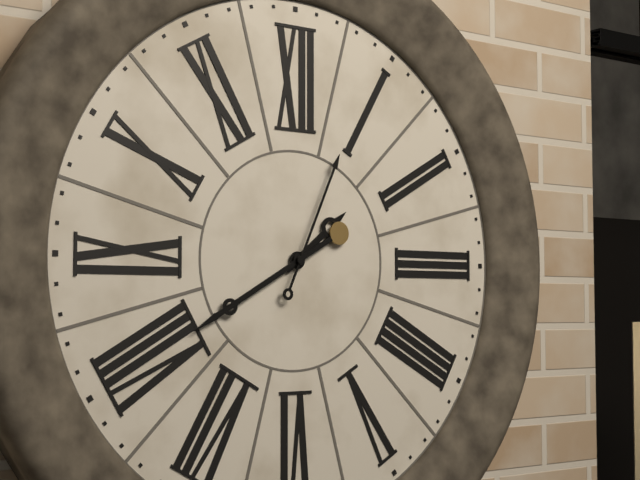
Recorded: 1h40m04s
